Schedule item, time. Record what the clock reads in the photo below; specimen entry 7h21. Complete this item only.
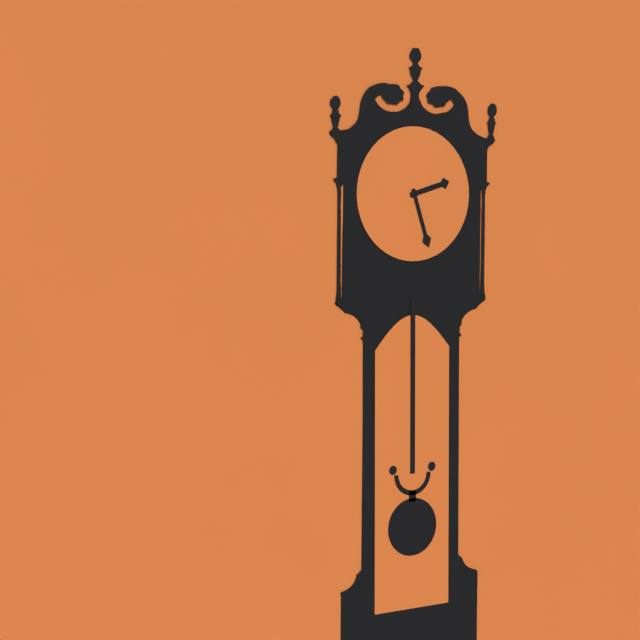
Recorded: 2h27
